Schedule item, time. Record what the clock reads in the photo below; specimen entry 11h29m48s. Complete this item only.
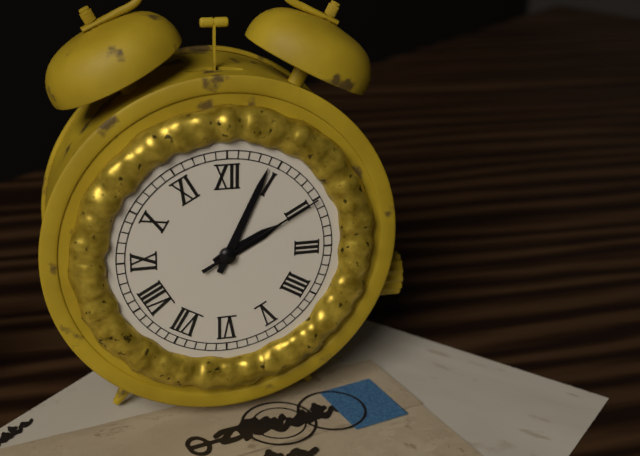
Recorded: 2h04m10s
